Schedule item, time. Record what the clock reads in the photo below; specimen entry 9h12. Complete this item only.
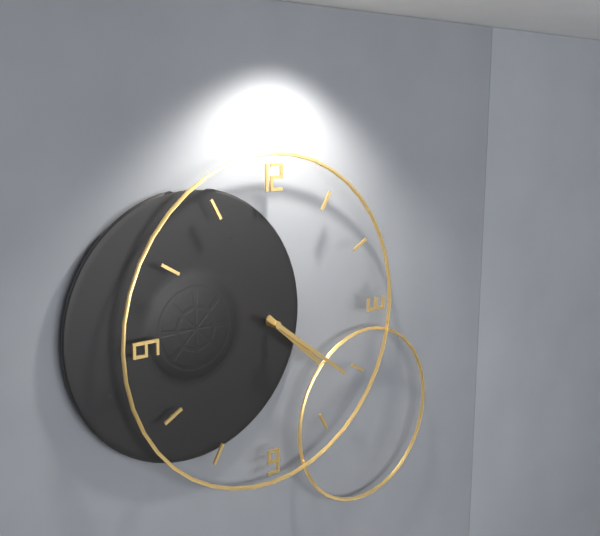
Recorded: 4h21
